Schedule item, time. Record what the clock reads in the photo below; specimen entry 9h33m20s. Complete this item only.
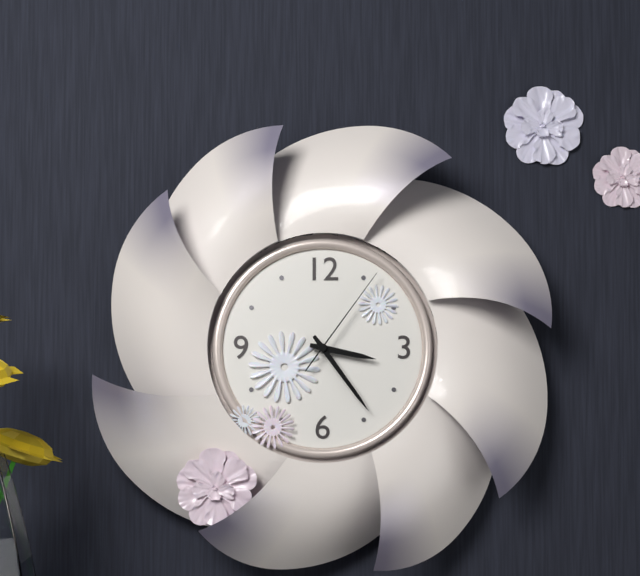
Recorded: 3h24m06s
